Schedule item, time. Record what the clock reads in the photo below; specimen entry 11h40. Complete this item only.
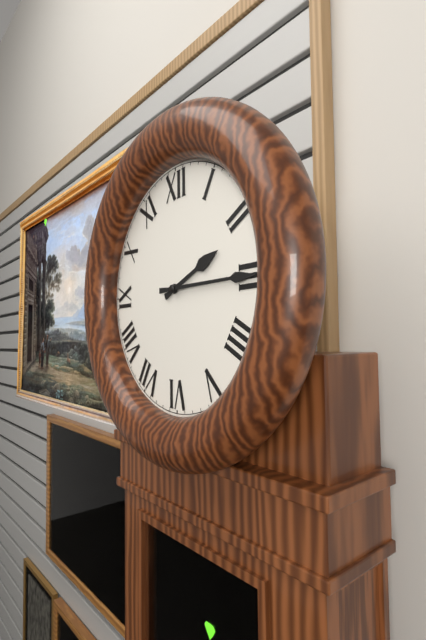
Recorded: 2h15
